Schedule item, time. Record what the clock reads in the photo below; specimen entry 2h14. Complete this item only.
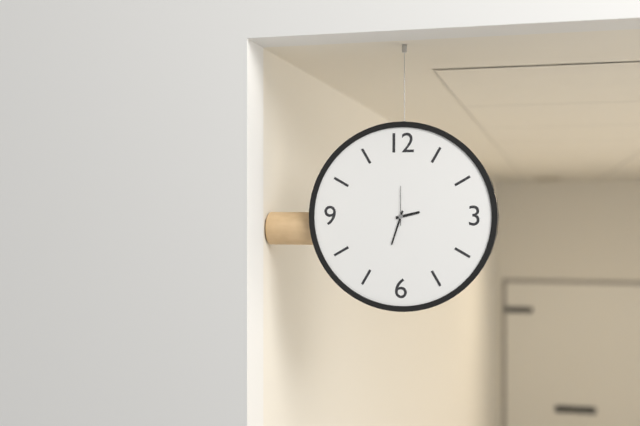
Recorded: 2h33
